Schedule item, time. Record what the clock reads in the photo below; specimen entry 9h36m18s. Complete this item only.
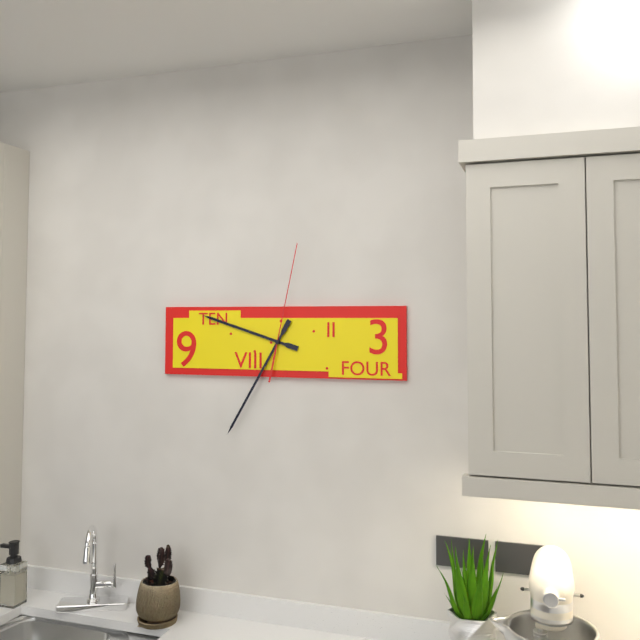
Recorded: 9h35m02s
